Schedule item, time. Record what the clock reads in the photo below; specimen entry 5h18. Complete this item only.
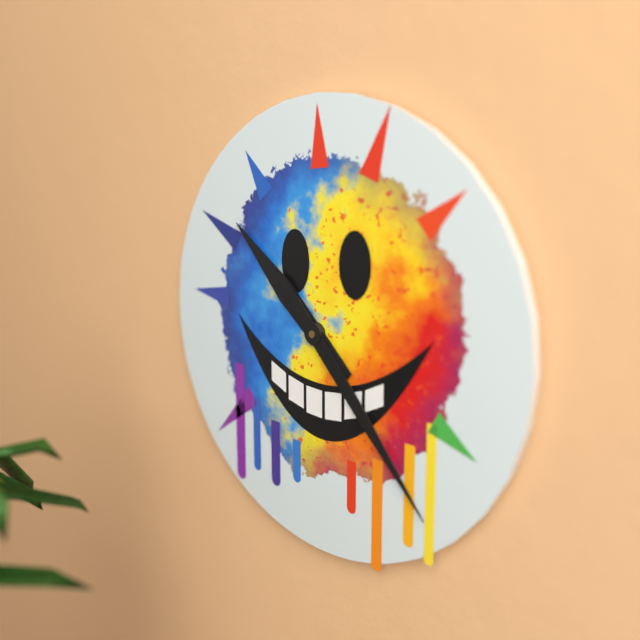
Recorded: 10h23
